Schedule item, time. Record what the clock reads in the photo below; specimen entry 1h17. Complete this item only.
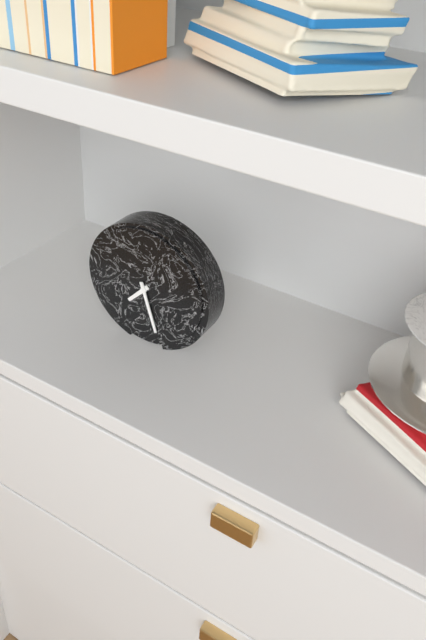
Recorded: 7h27
